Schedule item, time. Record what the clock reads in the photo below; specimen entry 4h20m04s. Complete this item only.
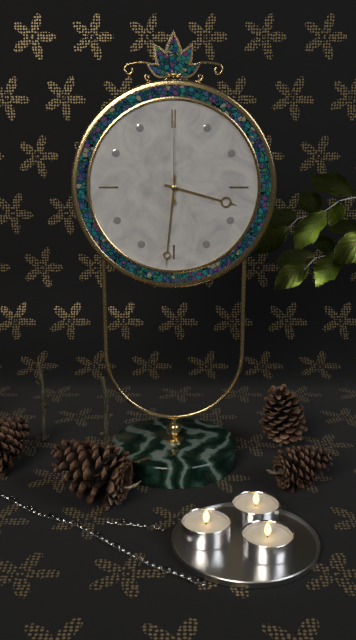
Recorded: 3h31m00s
